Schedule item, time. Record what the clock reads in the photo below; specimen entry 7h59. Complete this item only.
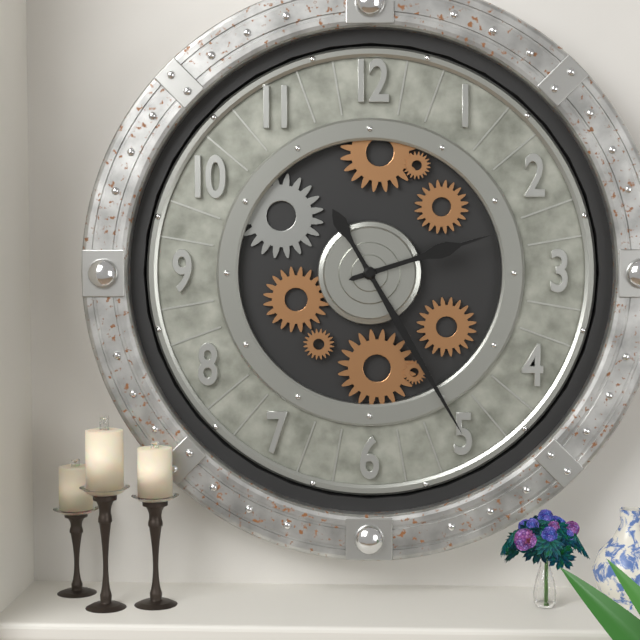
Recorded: 2h25
